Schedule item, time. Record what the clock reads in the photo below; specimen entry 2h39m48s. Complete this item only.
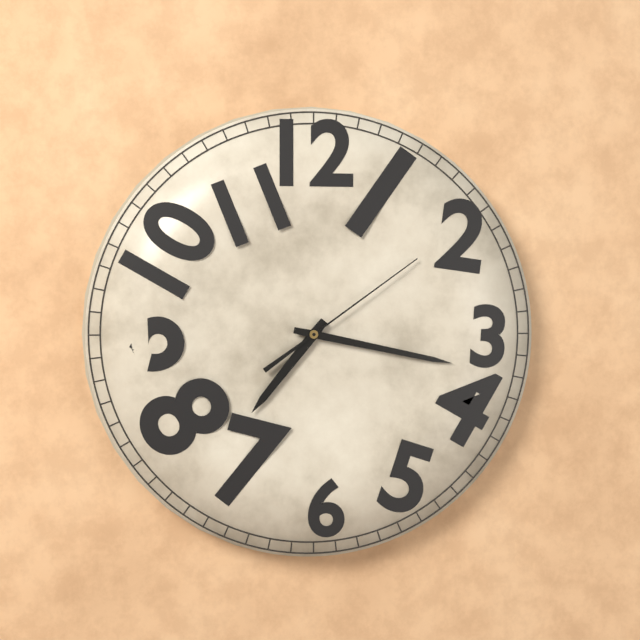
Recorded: 7h17m09s
